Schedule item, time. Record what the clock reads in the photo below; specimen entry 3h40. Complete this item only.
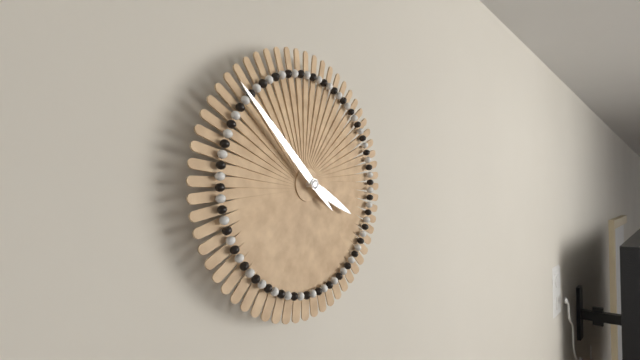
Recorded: 3h52
